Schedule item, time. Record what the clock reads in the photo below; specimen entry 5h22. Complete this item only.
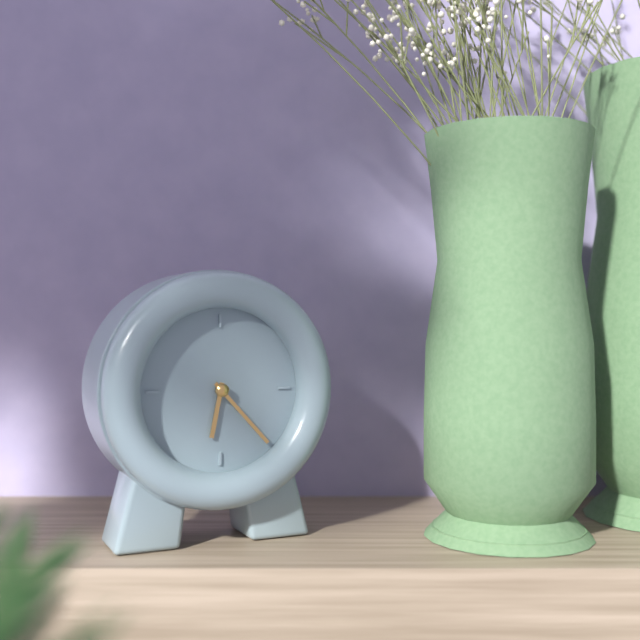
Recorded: 6h23
